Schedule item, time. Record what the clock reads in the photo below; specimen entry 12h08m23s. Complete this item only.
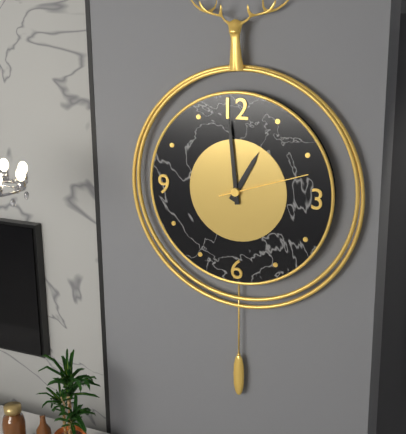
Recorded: 12h59m12s
